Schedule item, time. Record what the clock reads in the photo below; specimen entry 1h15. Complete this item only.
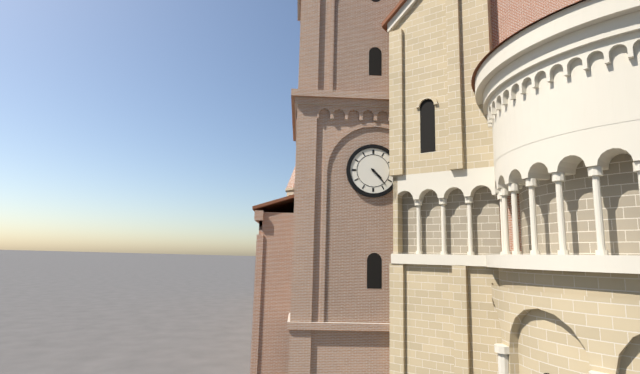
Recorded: 4h23
